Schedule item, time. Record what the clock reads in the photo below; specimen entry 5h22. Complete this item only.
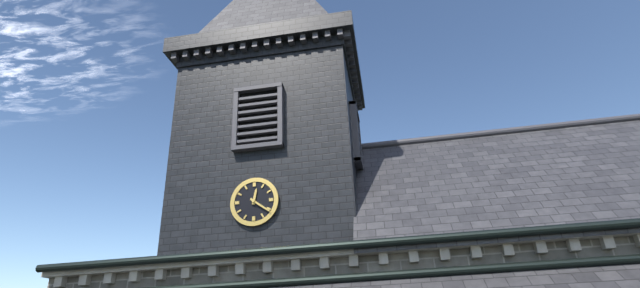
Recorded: 12h21
